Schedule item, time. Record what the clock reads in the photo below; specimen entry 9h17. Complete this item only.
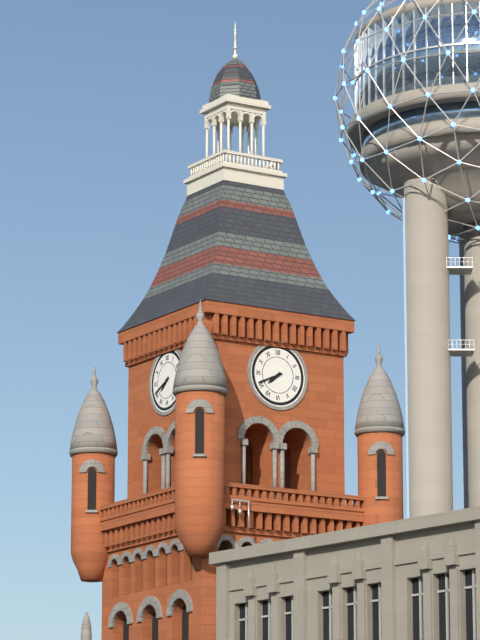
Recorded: 7h41
